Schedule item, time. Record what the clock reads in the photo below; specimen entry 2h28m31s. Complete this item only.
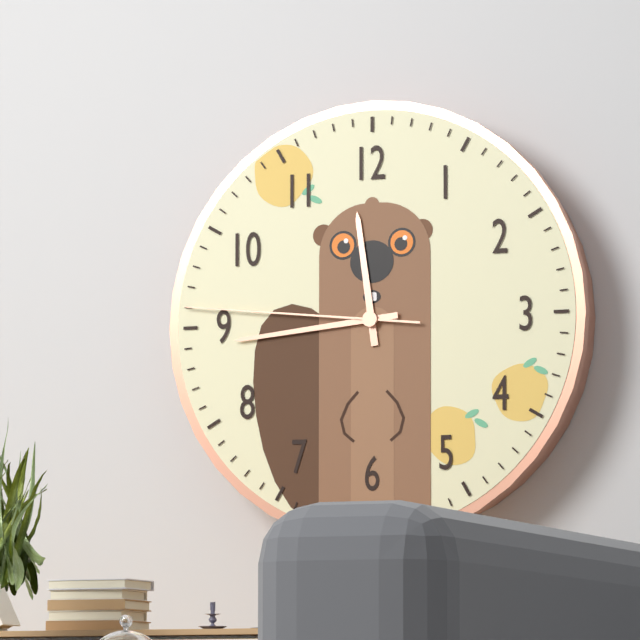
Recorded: 11h44m46s
